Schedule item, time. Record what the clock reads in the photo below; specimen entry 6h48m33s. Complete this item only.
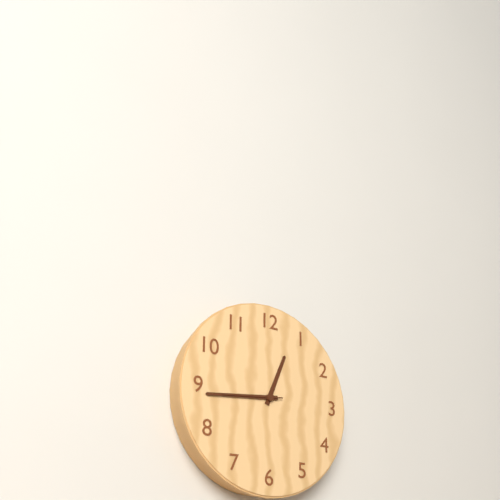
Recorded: 12h44m44s
